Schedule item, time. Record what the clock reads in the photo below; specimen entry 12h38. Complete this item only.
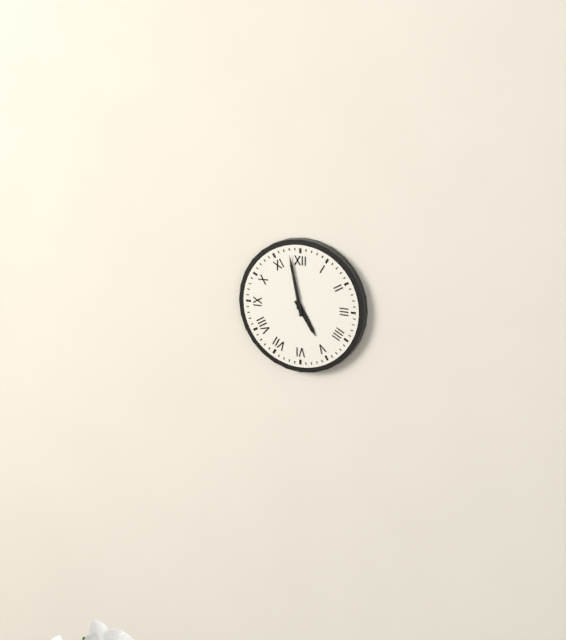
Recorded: 4h58
